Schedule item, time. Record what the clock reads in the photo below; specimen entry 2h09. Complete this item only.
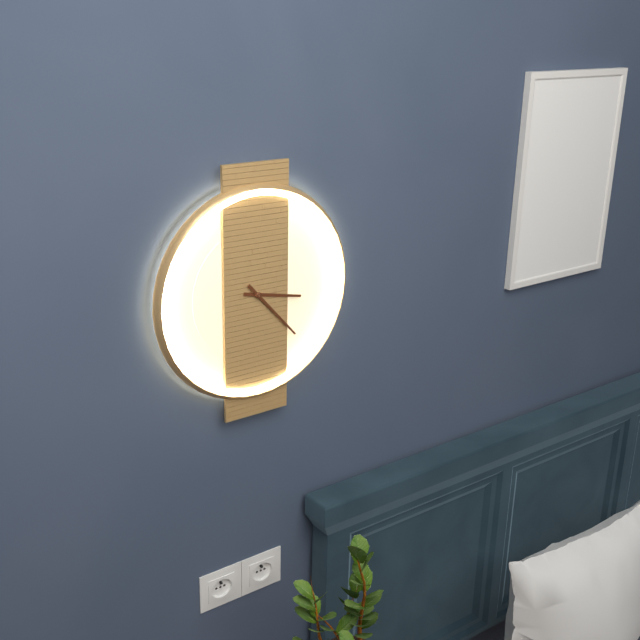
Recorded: 3h23
